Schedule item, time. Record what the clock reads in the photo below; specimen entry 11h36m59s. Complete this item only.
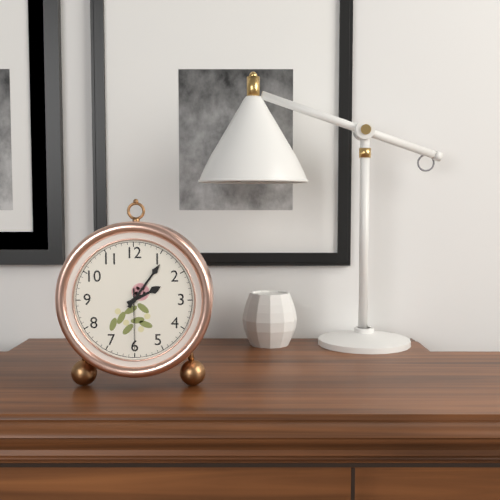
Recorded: 2h06m30s
